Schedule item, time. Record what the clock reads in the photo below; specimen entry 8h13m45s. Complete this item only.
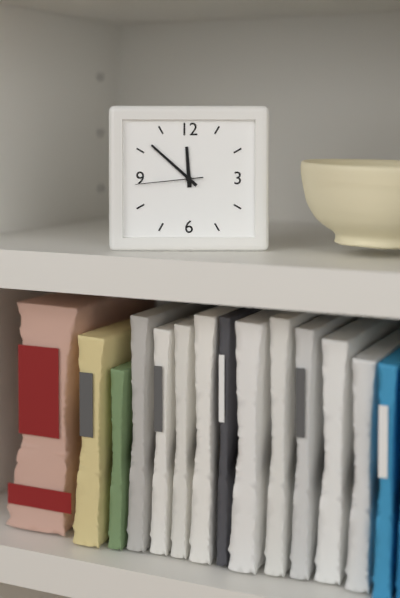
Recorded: 11h52m44s
